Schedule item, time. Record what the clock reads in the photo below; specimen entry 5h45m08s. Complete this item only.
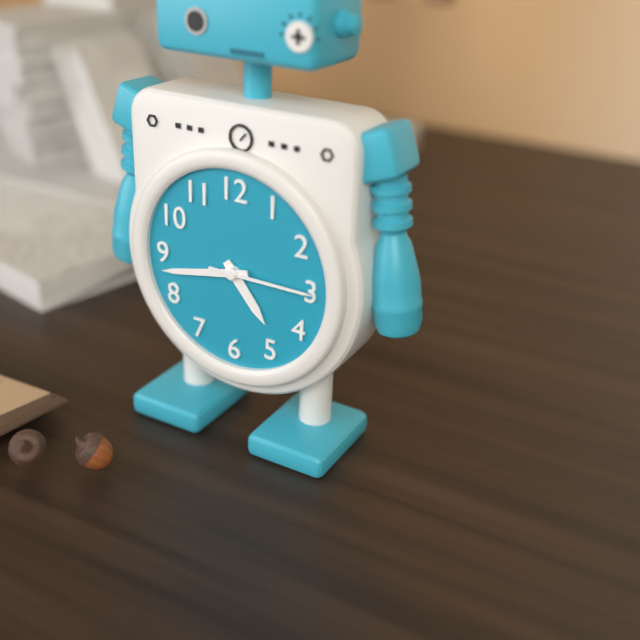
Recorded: 4h43m15s
